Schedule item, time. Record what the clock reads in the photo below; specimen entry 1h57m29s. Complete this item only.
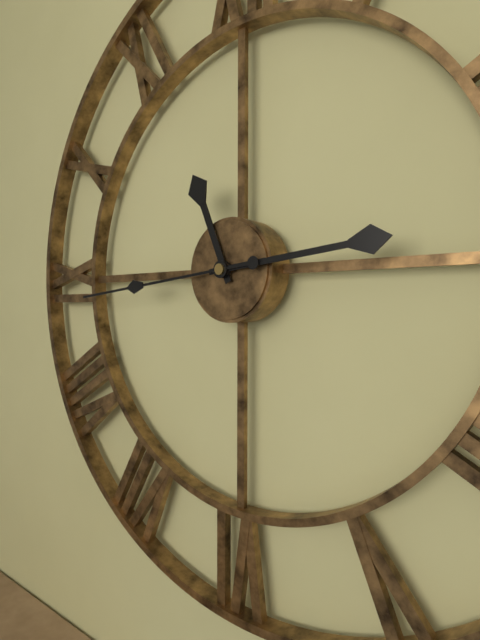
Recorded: 11h14m44s
